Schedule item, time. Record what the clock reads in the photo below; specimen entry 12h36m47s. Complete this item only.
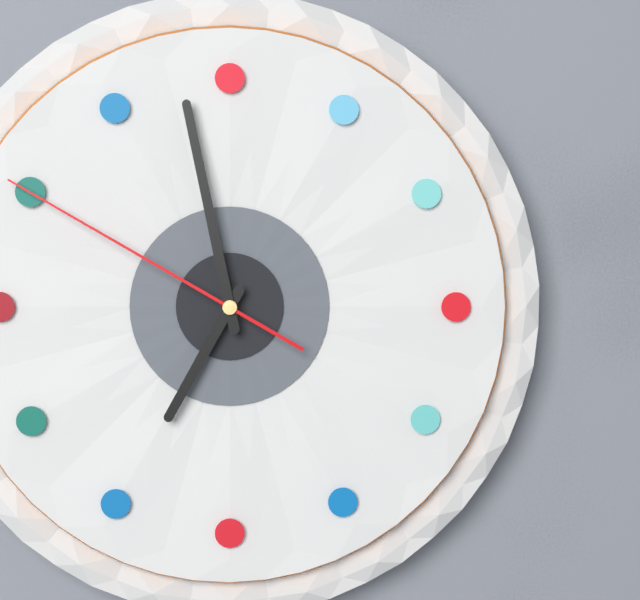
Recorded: 6h58m50s
